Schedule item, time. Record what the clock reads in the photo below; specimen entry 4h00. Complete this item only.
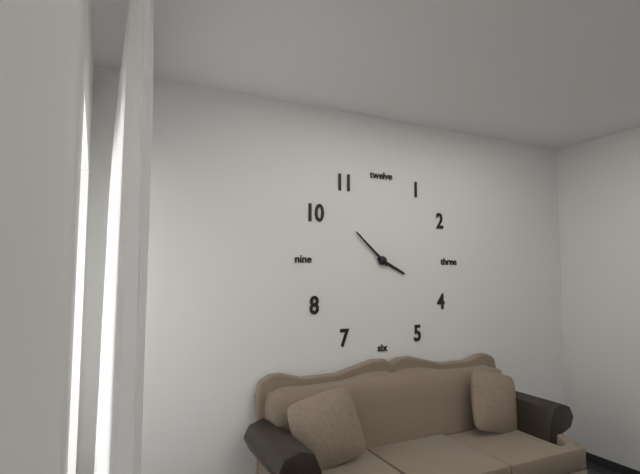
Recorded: 3h52
